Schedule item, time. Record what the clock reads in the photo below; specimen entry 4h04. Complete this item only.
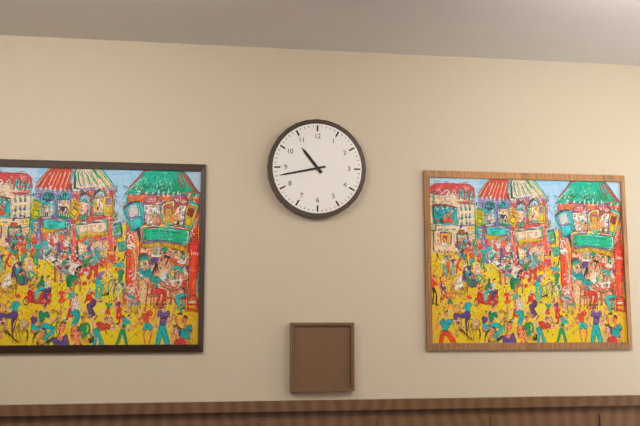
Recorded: 10h43
